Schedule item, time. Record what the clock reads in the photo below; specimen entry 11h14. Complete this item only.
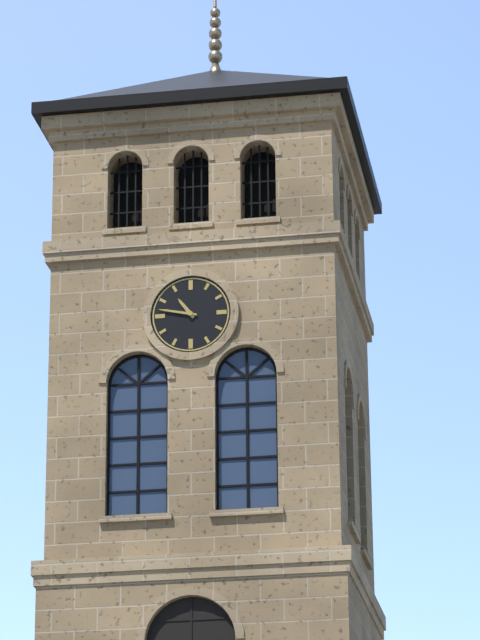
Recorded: 10h47
